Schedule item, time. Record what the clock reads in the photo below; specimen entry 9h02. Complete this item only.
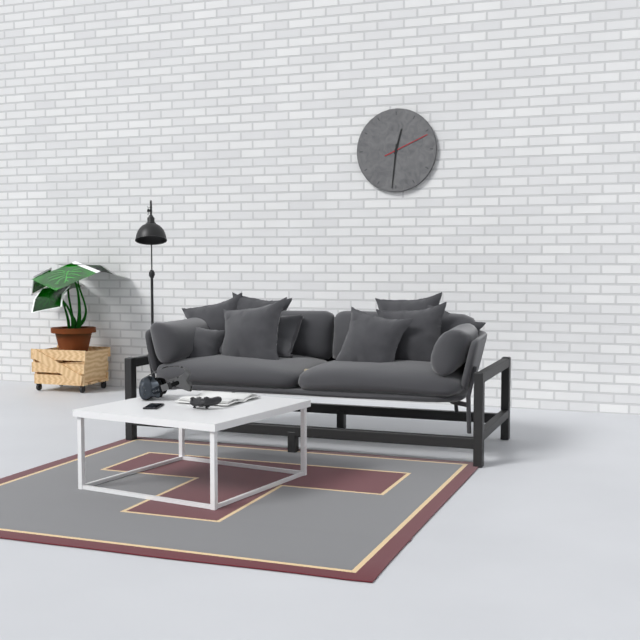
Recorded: 12h31
